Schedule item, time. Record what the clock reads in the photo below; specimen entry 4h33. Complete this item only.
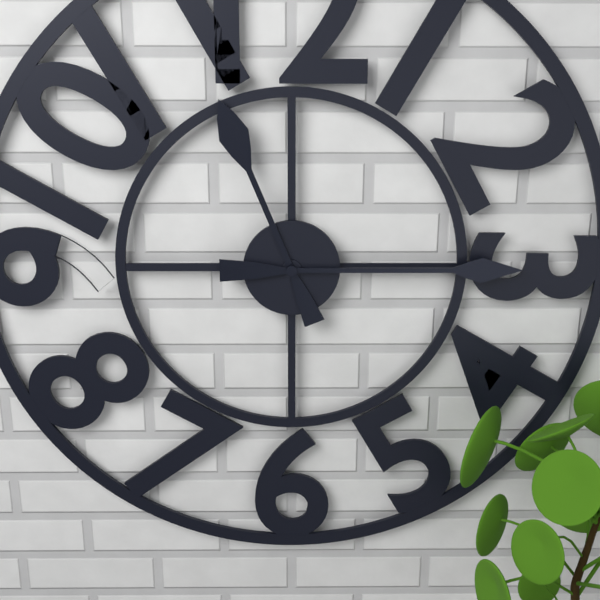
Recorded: 11h15
